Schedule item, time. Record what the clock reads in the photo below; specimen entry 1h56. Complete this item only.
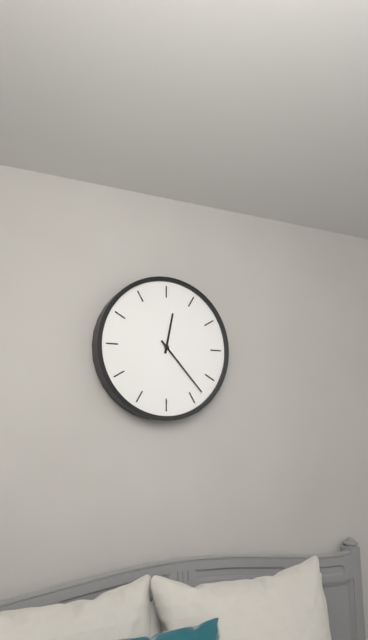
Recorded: 12h23
